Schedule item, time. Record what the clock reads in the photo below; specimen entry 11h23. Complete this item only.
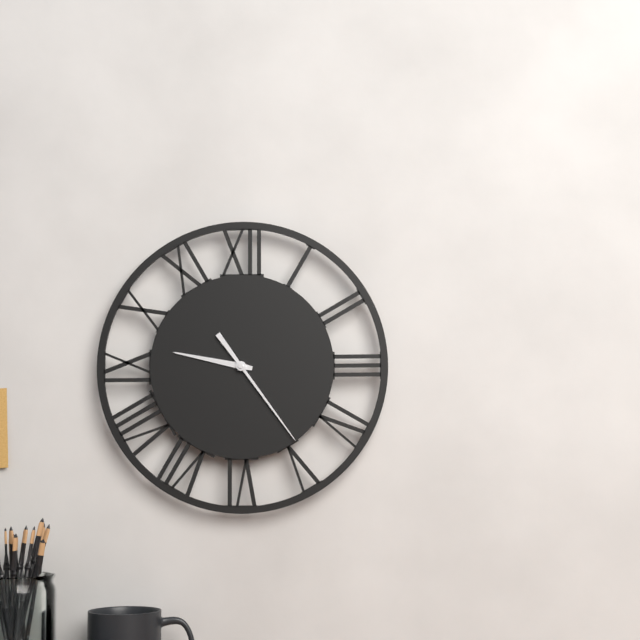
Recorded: 9h24
